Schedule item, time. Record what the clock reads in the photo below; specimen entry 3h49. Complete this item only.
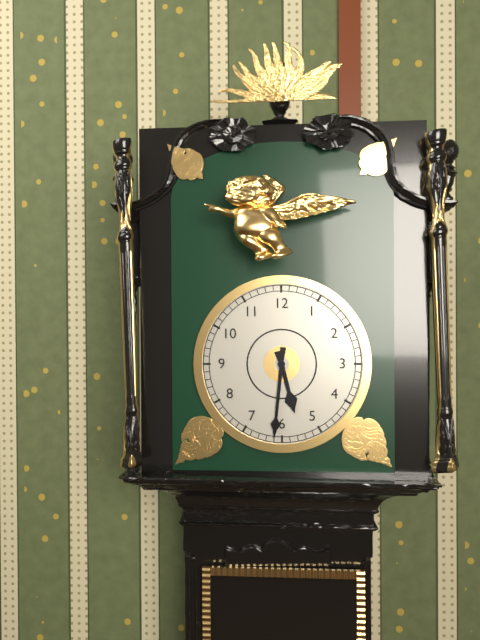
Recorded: 5h31
